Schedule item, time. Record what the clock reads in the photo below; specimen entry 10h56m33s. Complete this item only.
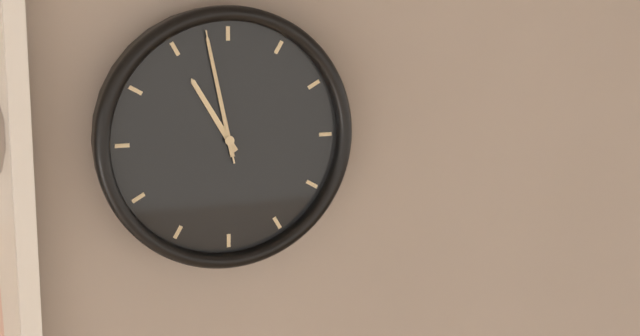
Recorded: 10h58m58s
